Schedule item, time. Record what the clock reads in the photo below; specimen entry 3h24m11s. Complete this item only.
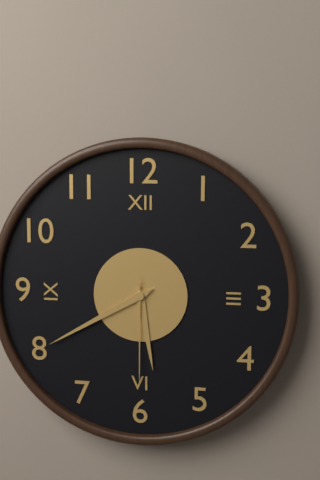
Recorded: 5h40m30s
